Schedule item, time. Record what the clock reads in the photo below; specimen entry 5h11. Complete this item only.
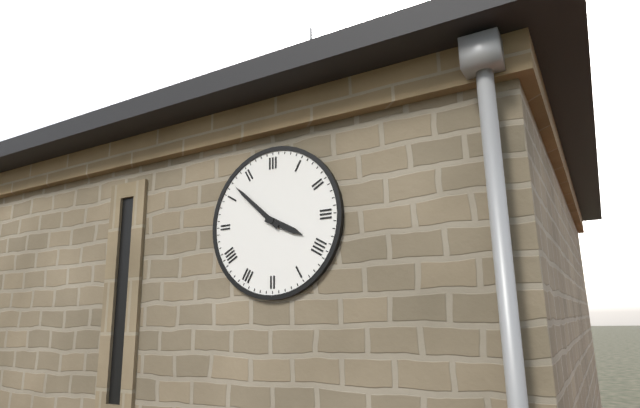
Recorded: 3h52
